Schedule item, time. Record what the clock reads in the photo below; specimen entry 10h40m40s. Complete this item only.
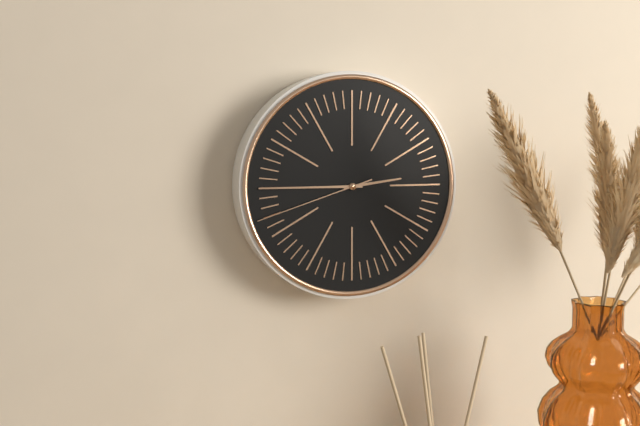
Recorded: 2h45m42s
